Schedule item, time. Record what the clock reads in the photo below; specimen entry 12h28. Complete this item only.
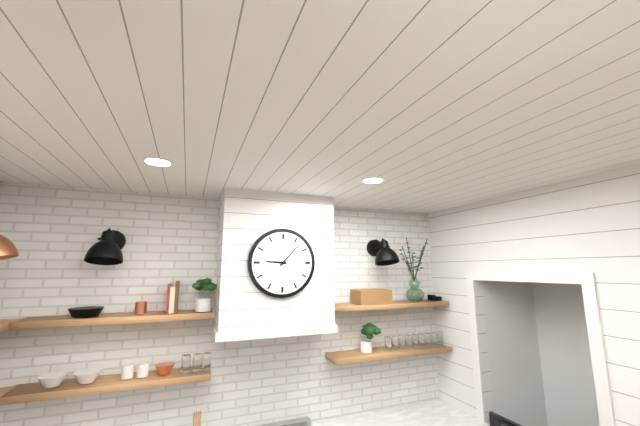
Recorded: 9h07
